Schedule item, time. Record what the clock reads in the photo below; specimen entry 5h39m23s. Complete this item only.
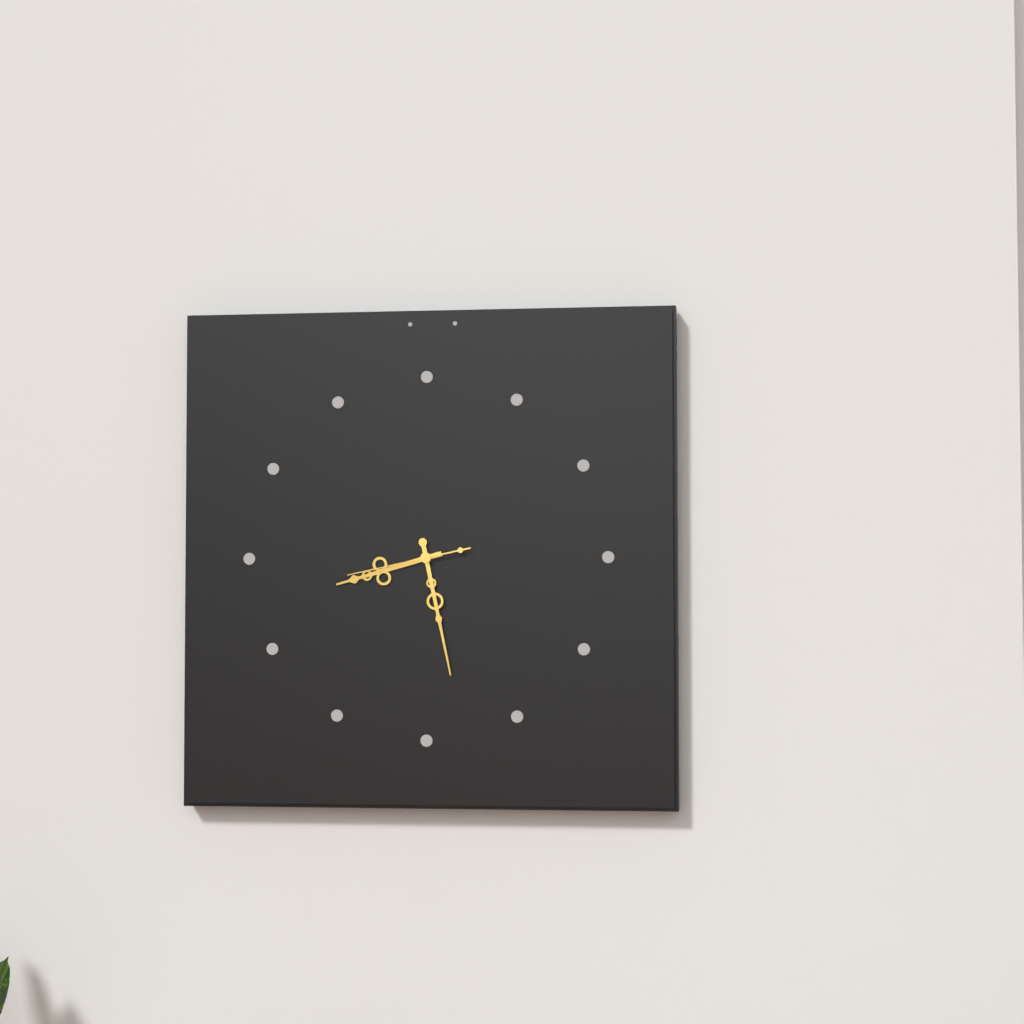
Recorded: 8h28m43s
